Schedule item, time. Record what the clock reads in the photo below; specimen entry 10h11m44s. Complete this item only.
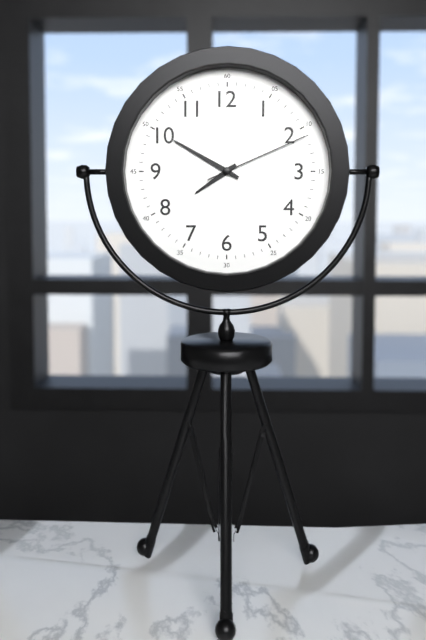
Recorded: 7h50m11s
